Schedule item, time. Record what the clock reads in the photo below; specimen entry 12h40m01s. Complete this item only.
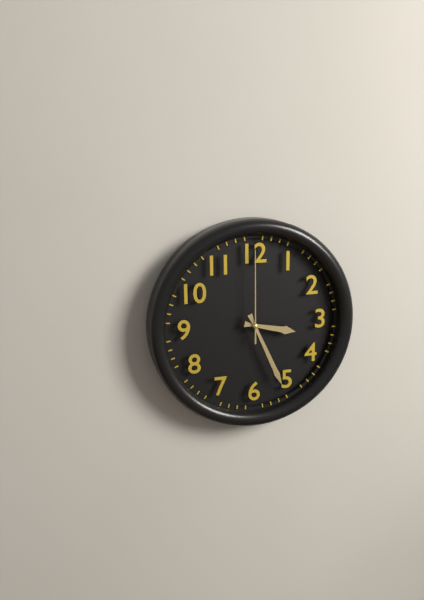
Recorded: 3h26m00s
